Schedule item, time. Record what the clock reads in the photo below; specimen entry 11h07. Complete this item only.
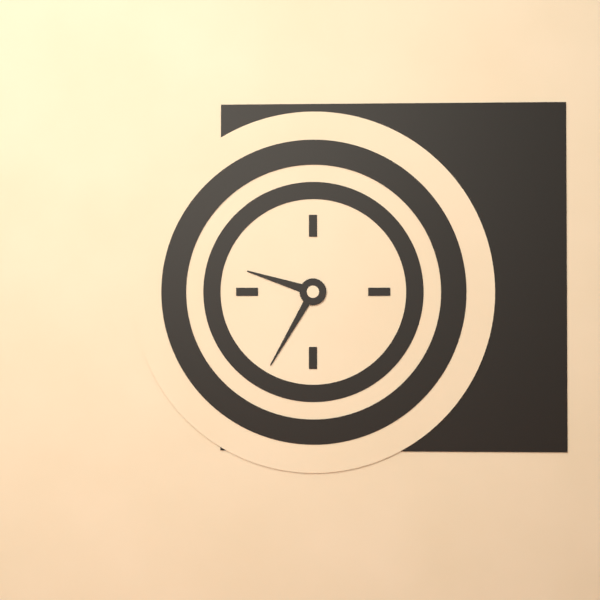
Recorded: 9h35
